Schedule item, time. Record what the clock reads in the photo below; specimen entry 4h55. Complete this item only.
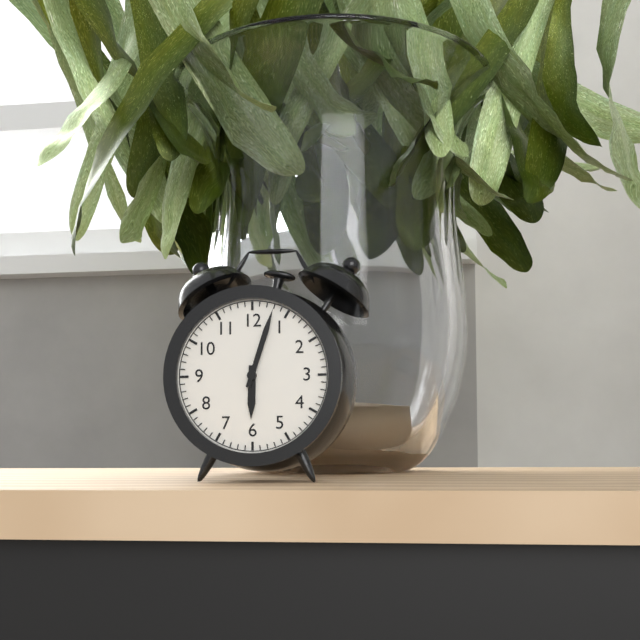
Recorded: 6h03
